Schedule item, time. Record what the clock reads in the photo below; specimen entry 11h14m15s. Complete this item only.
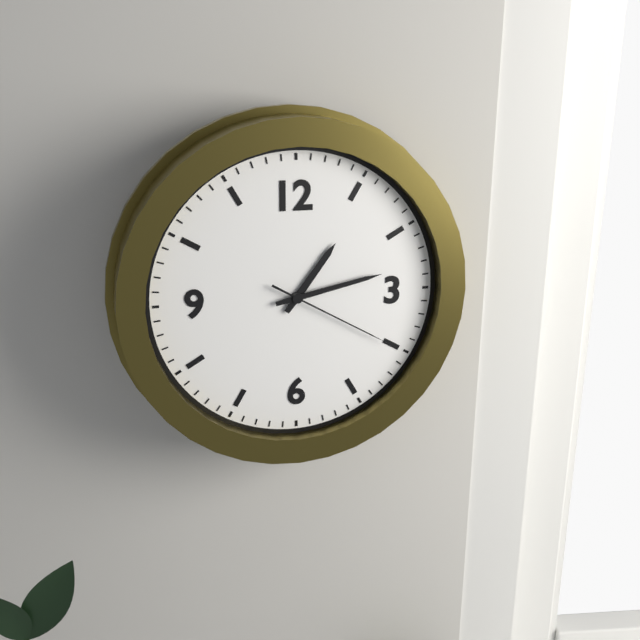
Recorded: 1h13m20s
